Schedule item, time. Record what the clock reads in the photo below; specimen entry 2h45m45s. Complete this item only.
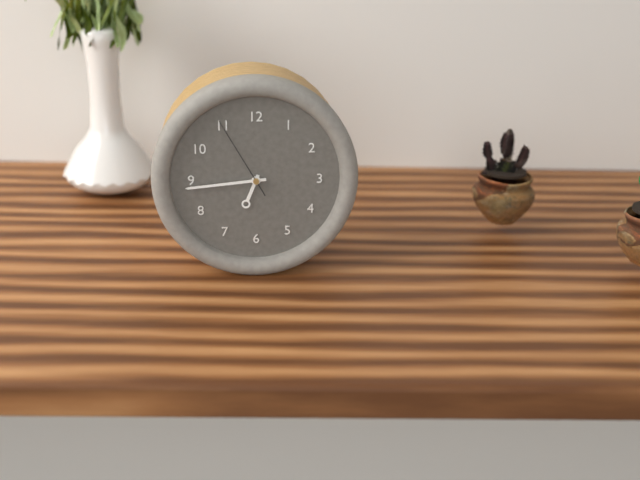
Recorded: 6h44m55s
